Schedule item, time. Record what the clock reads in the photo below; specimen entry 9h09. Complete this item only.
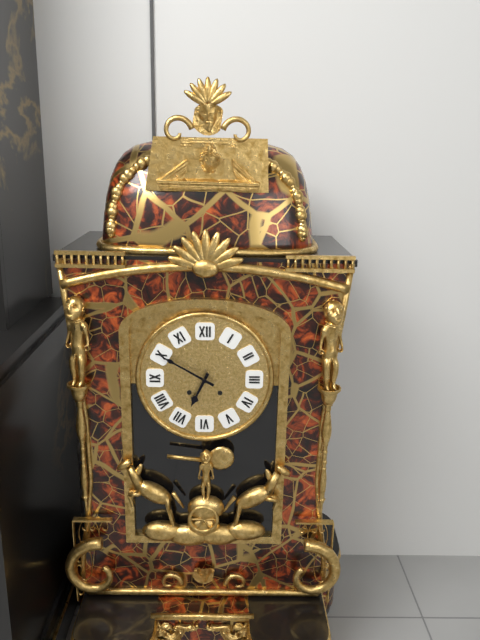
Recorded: 6h50
